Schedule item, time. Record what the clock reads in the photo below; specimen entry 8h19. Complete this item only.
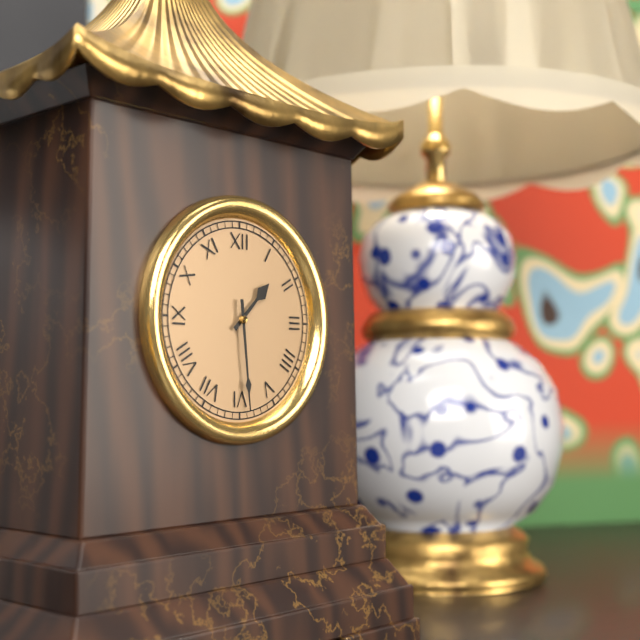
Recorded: 1h29
